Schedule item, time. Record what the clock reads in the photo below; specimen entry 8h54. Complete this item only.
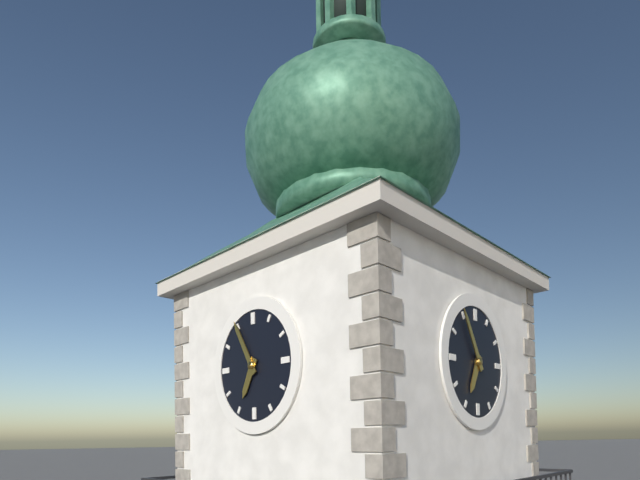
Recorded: 6h55
